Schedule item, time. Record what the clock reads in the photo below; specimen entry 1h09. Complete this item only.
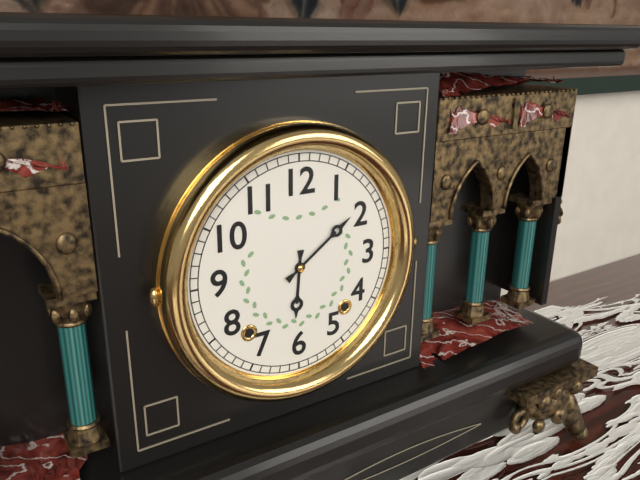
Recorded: 6h09
